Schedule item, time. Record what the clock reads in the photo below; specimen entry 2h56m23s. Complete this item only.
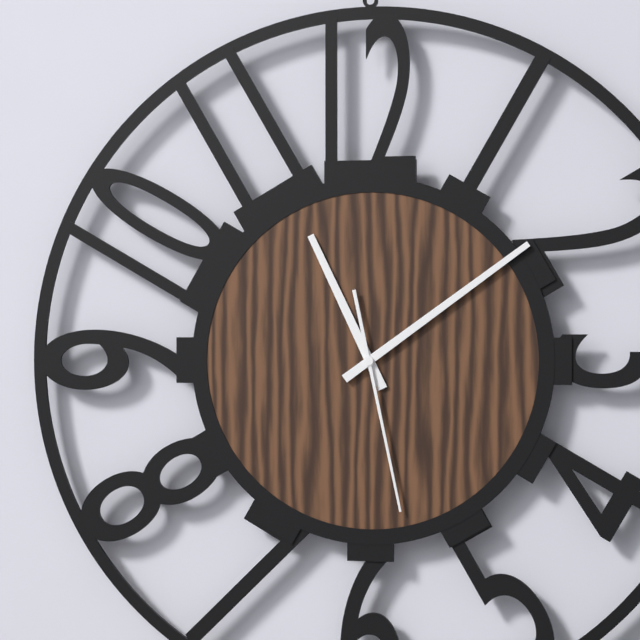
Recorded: 11h09m28s
